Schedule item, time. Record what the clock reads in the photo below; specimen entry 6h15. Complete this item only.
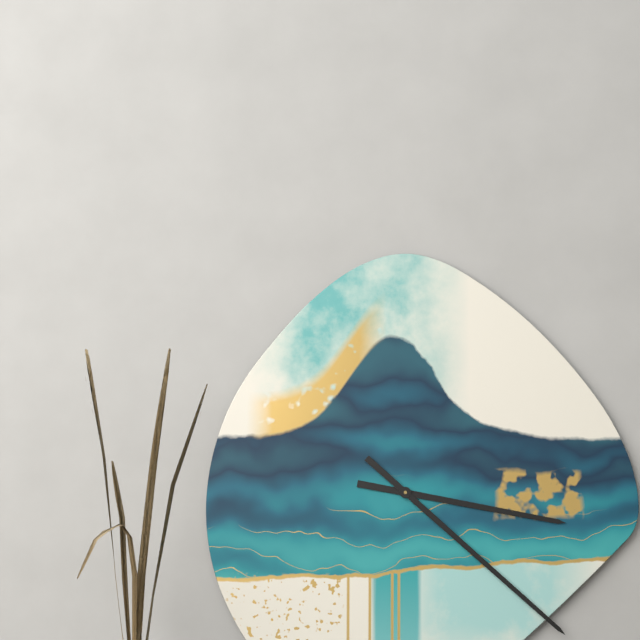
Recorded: 3h22
